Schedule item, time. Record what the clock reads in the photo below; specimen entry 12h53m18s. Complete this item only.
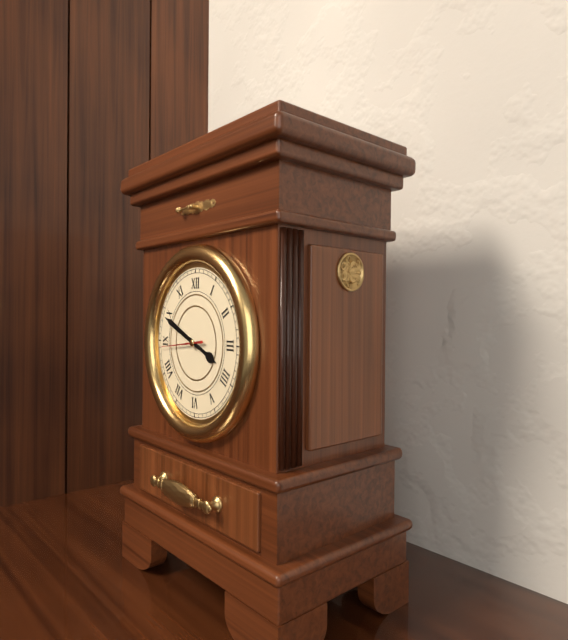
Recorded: 3h49m44s
